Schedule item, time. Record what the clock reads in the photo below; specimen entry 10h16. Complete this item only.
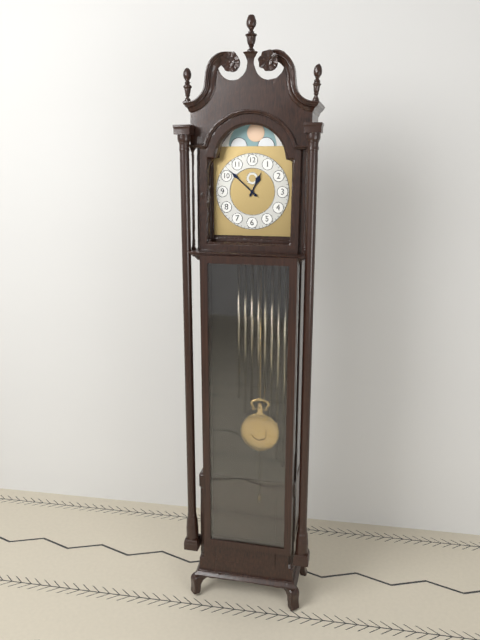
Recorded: 12h52
